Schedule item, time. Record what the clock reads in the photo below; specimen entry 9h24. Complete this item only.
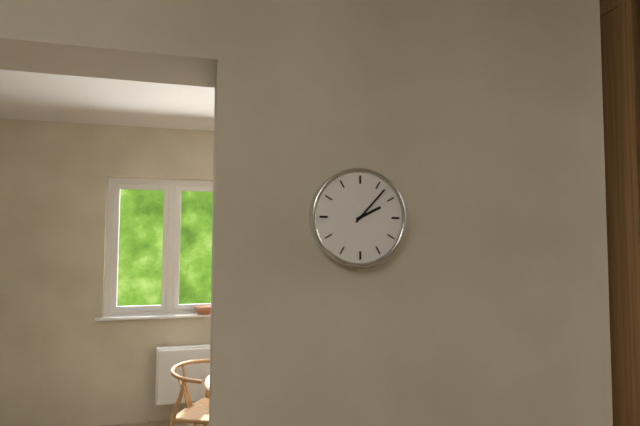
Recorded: 2h07
